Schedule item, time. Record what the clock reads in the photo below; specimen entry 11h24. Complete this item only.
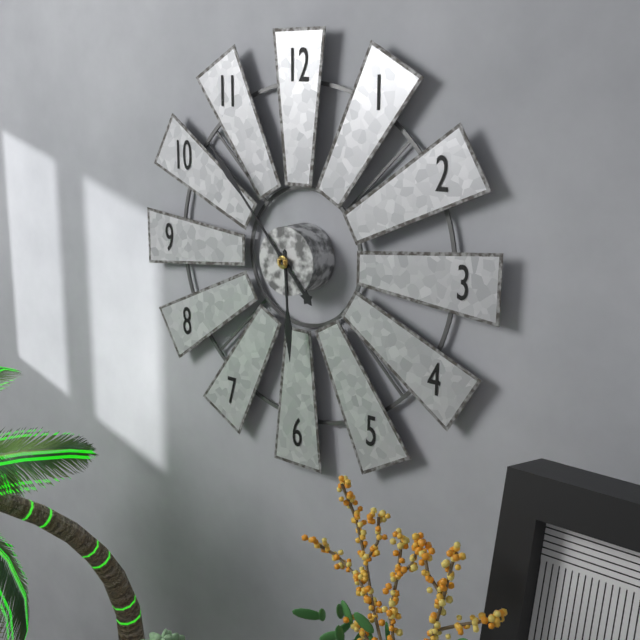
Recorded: 5h53
